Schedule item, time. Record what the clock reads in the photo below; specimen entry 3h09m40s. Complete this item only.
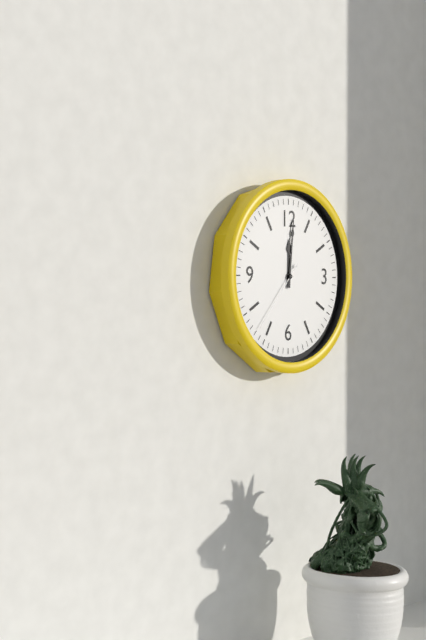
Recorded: 12h01m37s
